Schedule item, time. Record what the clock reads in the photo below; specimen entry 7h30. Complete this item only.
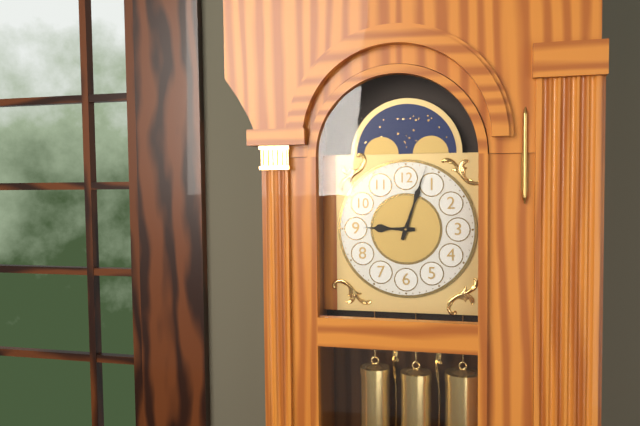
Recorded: 9h03
